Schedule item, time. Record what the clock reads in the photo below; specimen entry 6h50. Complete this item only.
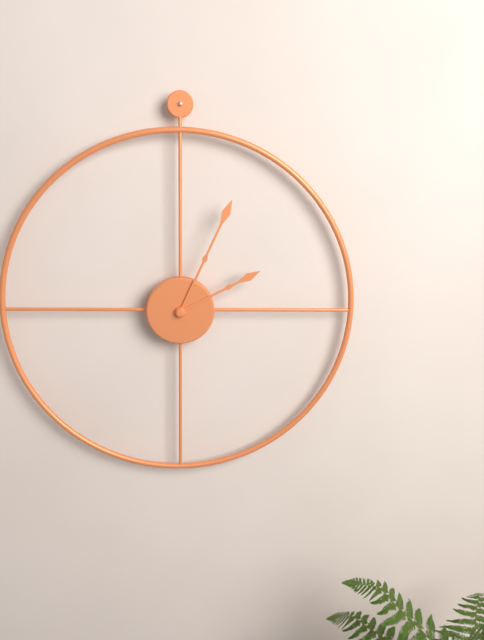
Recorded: 2h04
